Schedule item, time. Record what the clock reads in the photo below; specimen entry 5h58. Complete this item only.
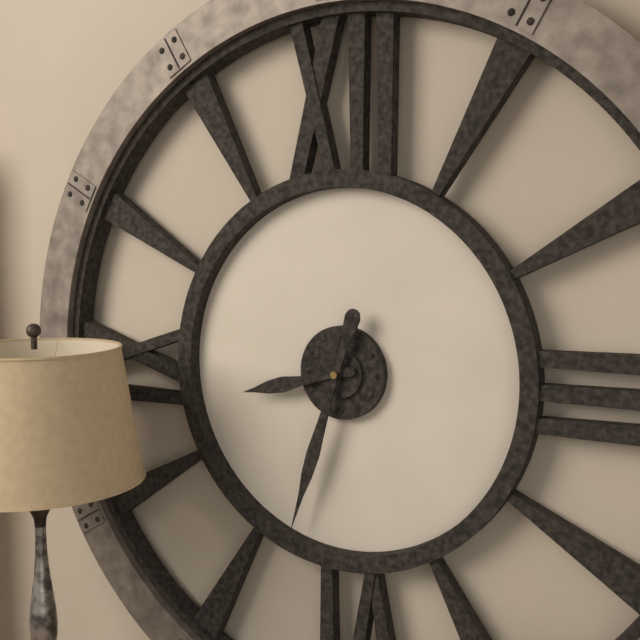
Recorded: 8h33
